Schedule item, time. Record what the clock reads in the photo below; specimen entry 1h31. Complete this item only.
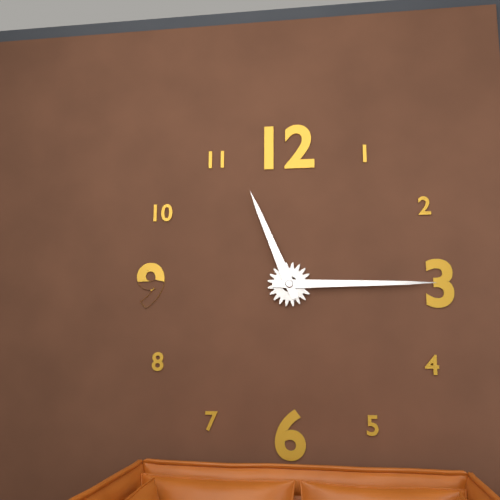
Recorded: 11h15
